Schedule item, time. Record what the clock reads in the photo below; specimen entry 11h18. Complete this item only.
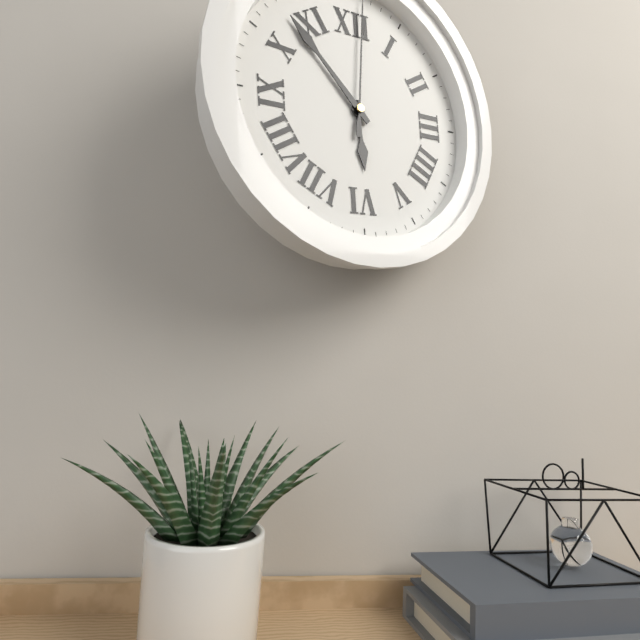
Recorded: 5h53
